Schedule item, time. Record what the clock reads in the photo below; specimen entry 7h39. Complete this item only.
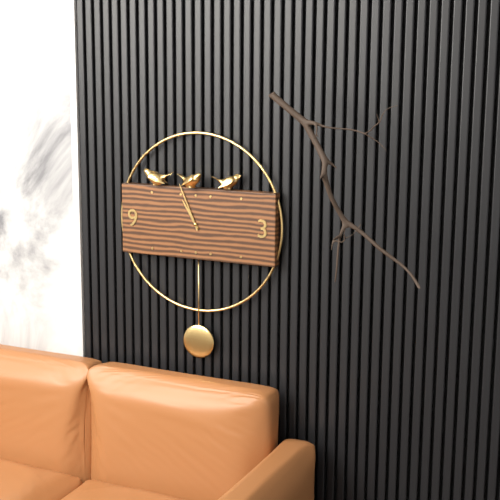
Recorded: 10h56
